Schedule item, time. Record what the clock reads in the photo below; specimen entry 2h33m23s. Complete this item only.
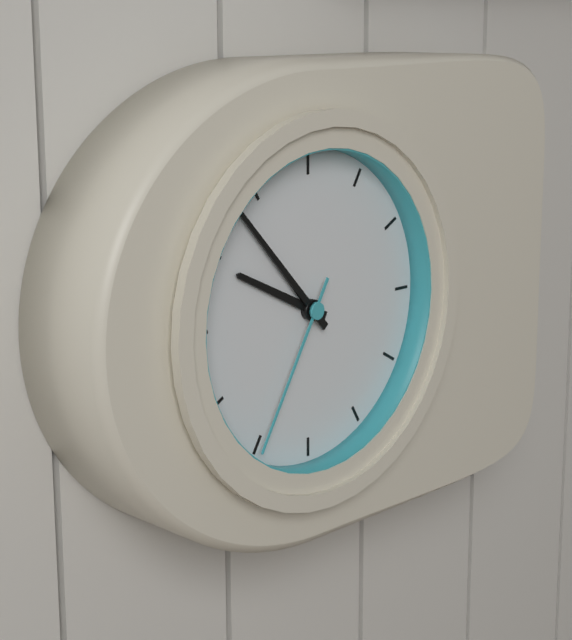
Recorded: 9h53m35s
